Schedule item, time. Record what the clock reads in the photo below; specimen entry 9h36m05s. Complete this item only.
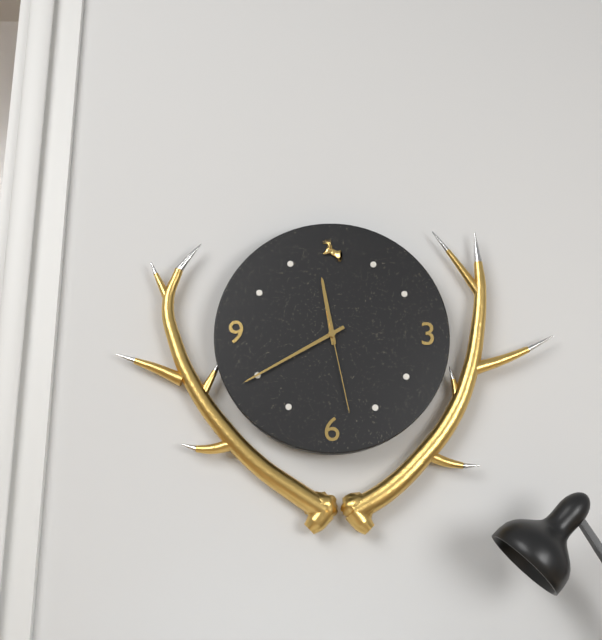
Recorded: 11h40m28s
